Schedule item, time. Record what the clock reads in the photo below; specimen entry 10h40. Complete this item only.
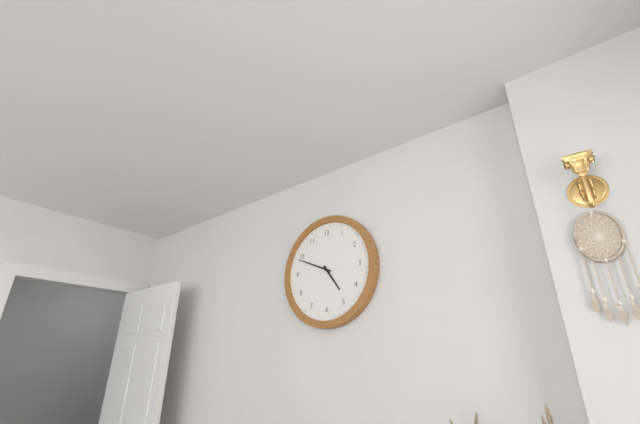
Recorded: 4h49
